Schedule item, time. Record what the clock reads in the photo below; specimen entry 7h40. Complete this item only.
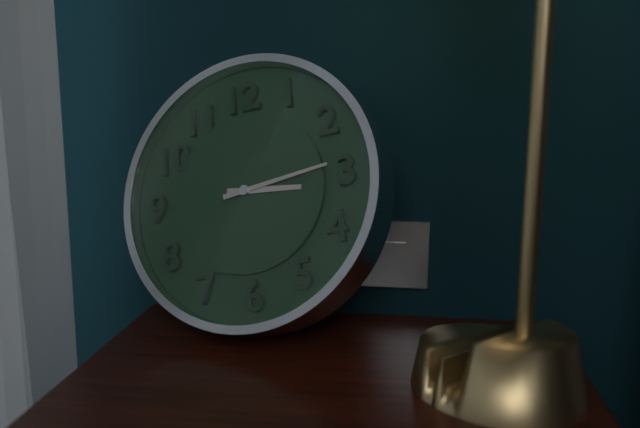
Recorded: 3h14
